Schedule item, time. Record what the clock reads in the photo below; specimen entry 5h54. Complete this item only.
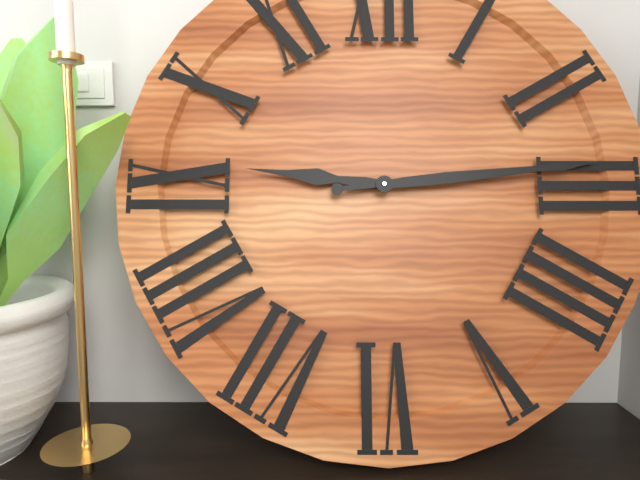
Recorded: 9h14
